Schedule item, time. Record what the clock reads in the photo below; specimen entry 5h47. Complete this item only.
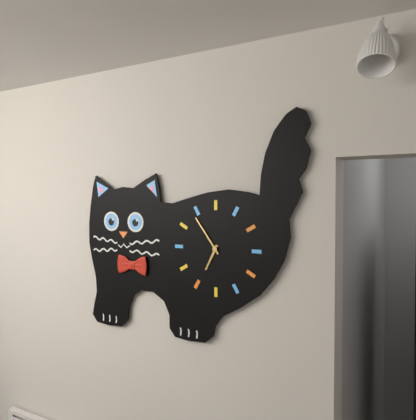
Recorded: 6h54
